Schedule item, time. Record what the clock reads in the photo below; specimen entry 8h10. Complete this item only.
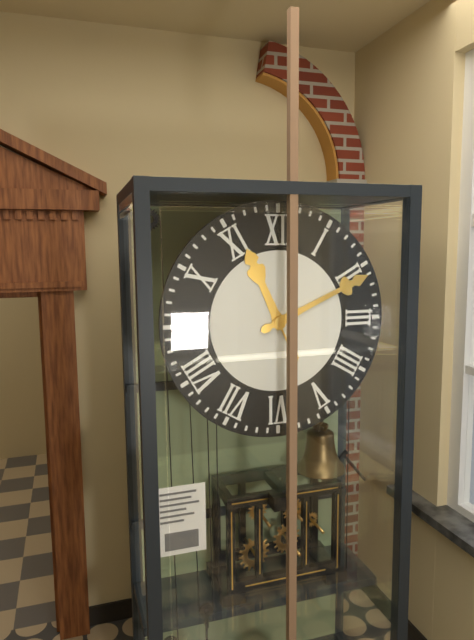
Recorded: 11h11
